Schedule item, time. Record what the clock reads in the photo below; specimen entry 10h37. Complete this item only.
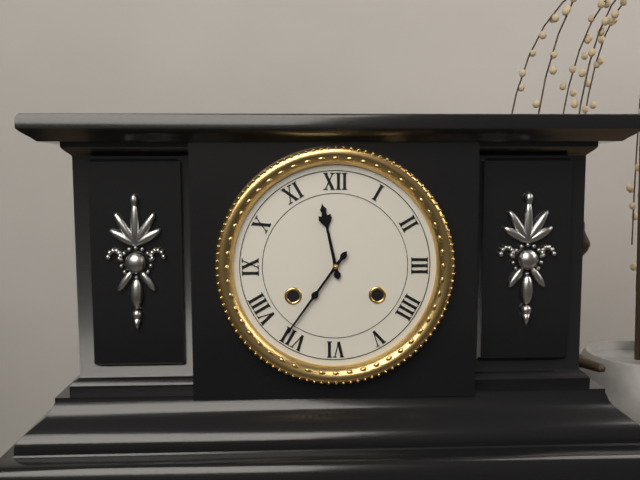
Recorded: 11h36
